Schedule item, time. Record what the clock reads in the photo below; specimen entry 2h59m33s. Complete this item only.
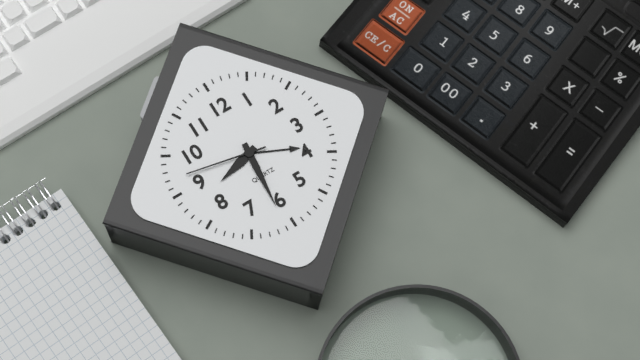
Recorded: 8h31m47s
